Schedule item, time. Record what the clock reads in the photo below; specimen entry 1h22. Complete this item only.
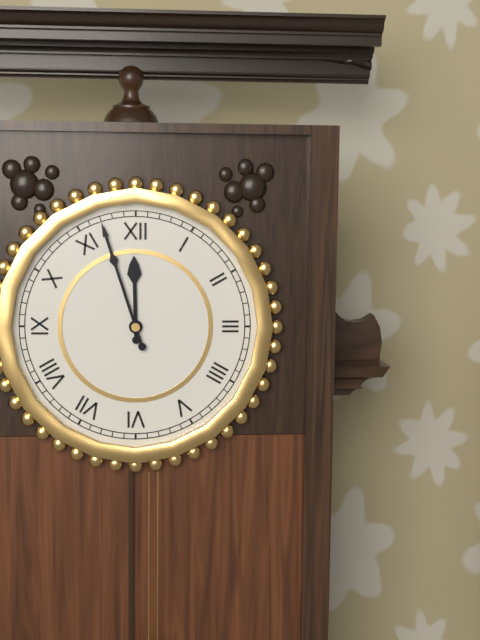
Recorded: 11h57
